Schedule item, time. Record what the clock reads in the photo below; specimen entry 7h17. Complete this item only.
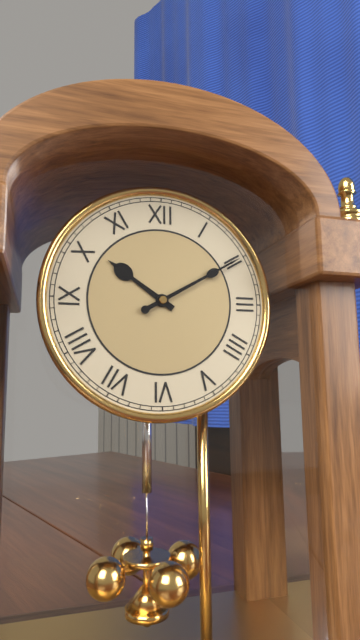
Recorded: 10h10
